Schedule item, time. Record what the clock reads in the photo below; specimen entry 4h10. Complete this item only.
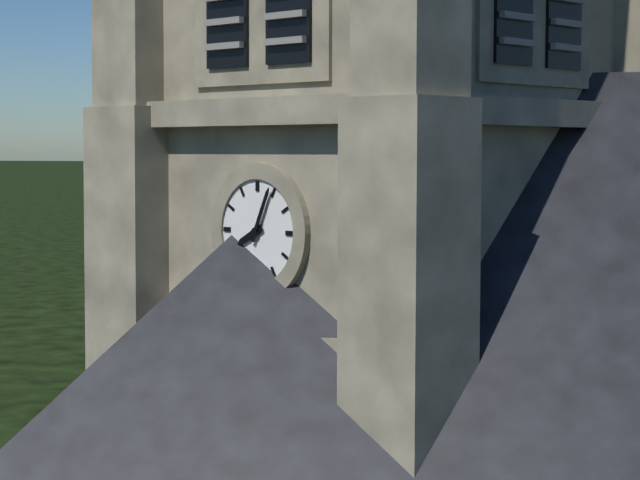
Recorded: 8h04
